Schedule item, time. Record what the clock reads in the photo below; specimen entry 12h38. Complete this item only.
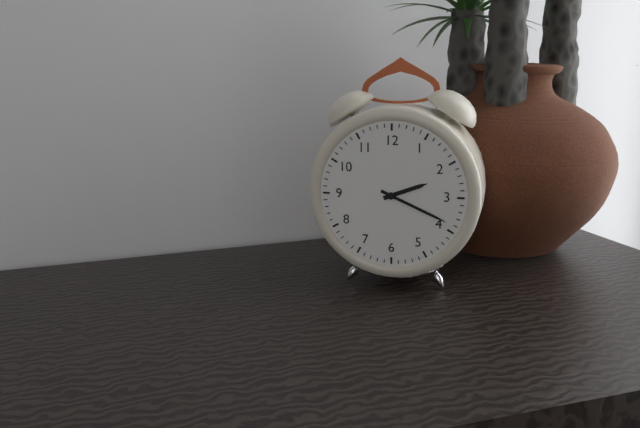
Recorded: 2h19
